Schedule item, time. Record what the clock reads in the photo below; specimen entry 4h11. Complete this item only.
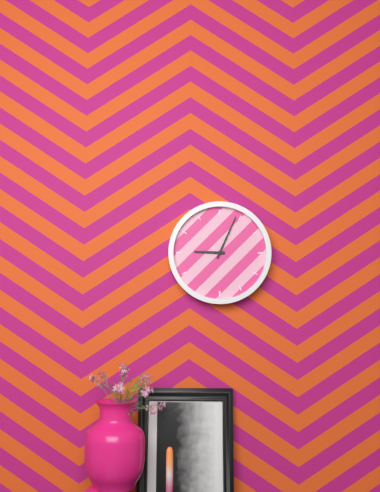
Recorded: 9h04
